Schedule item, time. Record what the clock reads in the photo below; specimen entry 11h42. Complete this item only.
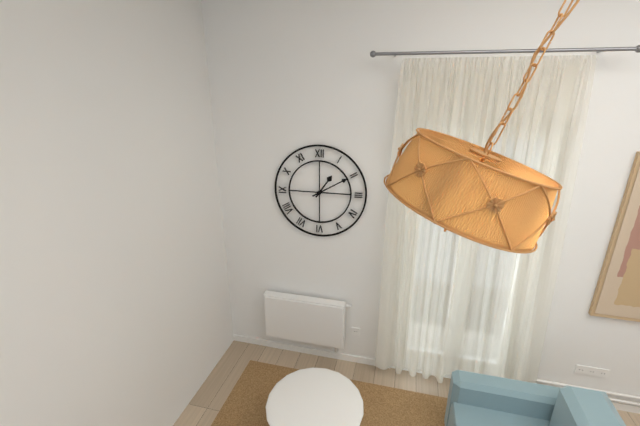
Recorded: 1h10
